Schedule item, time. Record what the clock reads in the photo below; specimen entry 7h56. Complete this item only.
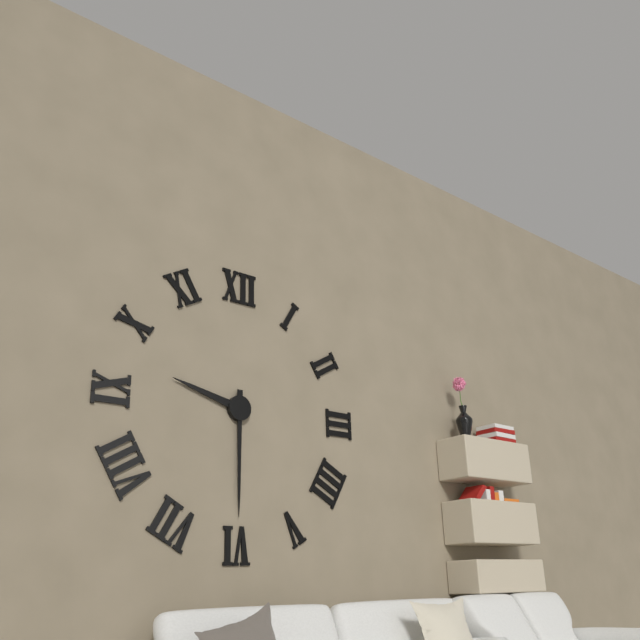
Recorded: 9h30
